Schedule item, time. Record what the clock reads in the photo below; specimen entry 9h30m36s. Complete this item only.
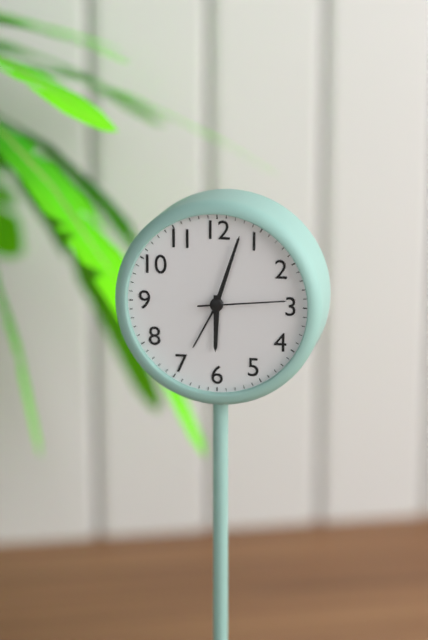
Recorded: 6h03m14s
